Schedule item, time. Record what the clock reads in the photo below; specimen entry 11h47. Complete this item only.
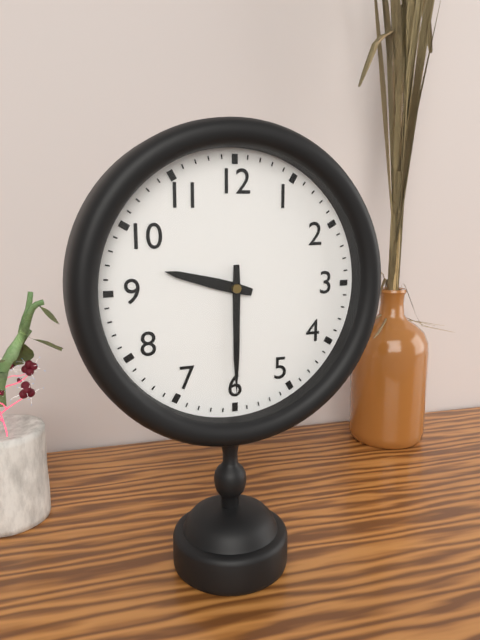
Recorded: 9h30
